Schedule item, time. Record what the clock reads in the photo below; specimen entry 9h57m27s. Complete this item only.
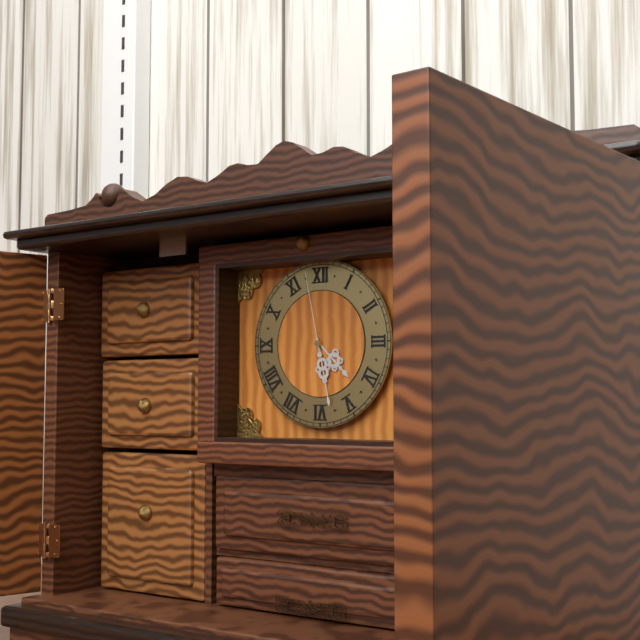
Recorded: 4h28m58s
